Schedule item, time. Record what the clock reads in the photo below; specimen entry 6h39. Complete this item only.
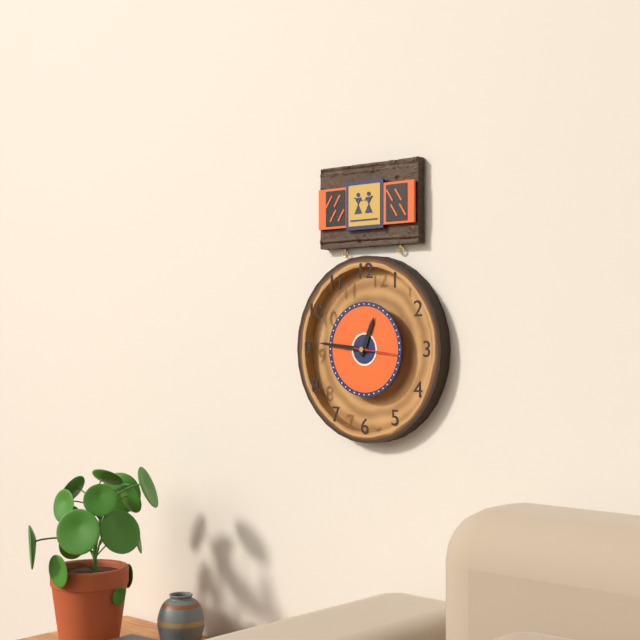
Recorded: 12h46
